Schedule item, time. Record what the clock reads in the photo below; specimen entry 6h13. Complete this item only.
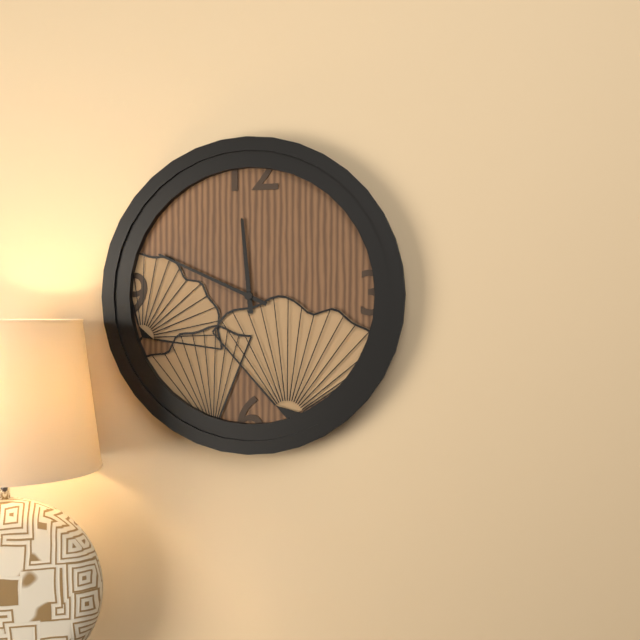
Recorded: 11h49
